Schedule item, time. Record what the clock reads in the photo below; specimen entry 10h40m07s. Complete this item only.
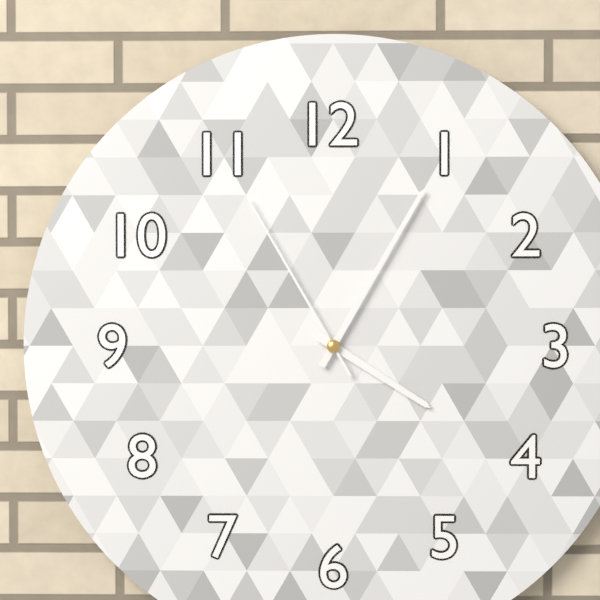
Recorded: 4h05m55s
